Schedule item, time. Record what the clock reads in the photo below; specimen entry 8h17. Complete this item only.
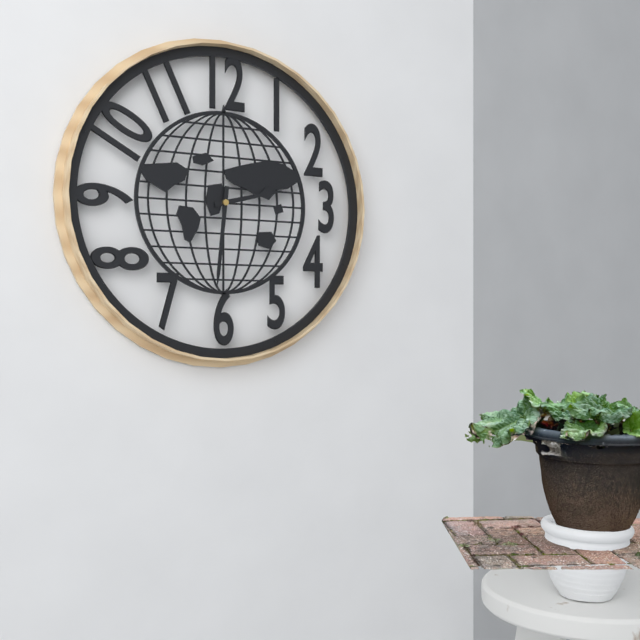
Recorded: 2h31
